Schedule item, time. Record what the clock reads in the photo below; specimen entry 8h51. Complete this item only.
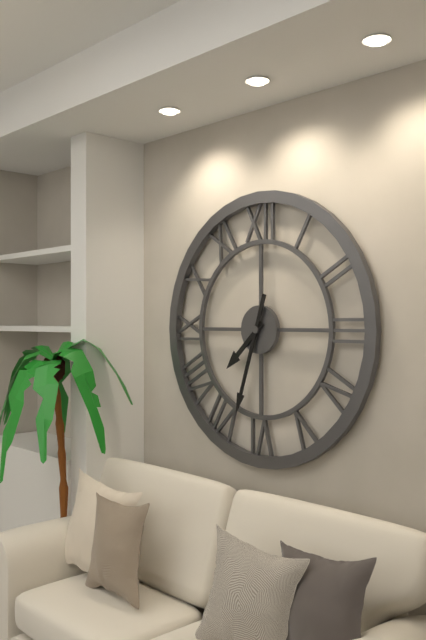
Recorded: 7h33
